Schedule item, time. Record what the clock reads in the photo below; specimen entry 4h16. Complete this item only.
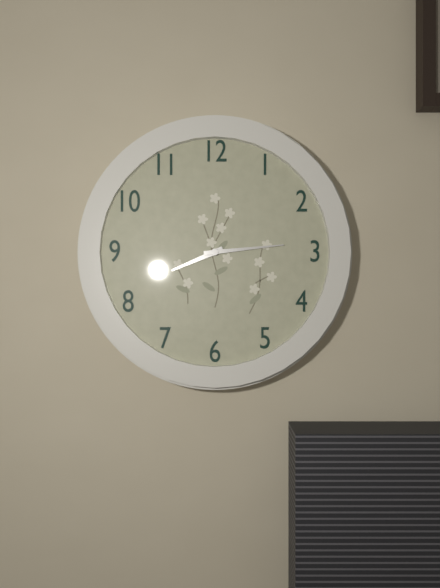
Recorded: 8h14
